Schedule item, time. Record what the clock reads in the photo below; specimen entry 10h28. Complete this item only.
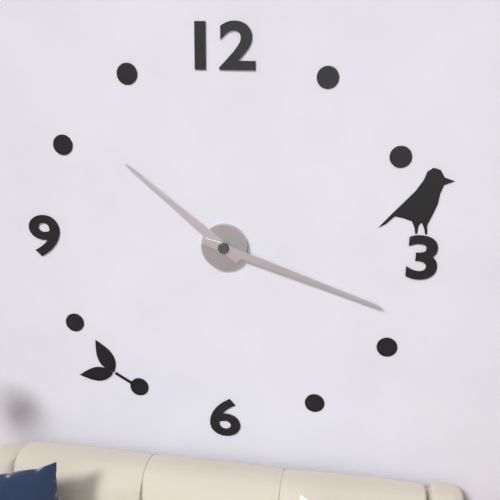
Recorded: 10h18
